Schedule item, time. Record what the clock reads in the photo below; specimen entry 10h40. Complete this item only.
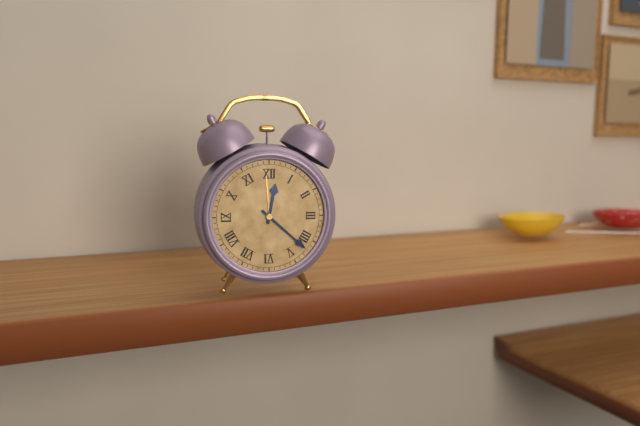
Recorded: 12h22
